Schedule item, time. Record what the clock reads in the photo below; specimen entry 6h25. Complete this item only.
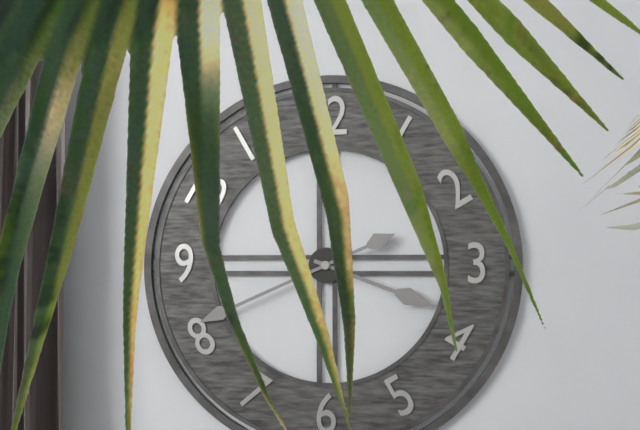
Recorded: 3h41
